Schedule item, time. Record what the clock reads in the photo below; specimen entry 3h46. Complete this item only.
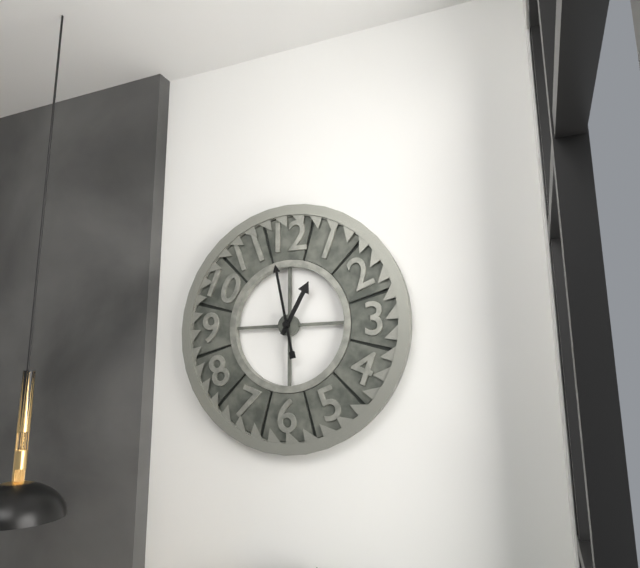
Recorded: 12h58
